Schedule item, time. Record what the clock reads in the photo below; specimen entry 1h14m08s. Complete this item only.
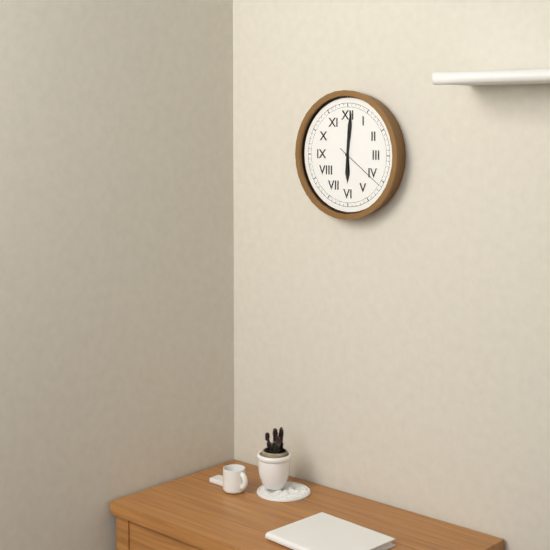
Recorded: 6h01m21s
